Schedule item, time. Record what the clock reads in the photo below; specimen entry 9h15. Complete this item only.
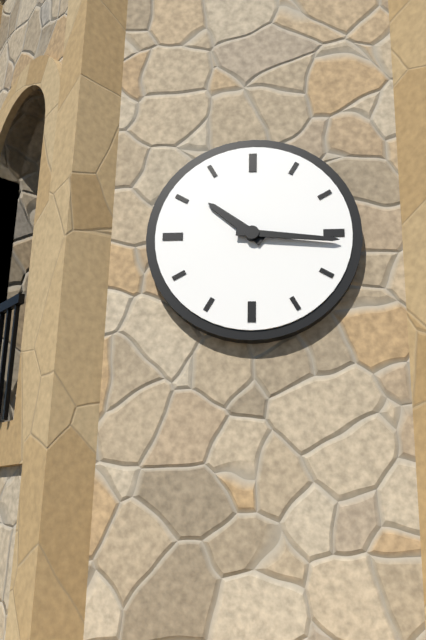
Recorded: 10h16
